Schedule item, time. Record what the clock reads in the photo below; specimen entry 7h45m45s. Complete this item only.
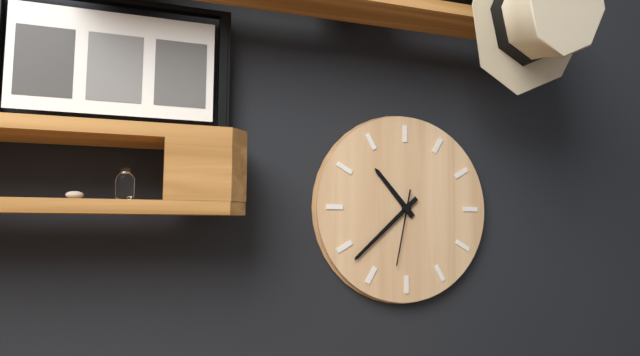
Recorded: 10h38m32s
